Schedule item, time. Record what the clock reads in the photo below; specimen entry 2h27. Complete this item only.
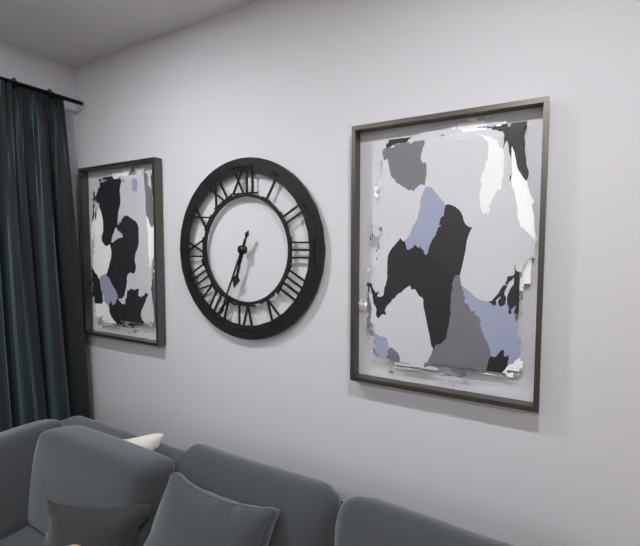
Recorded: 6h34
